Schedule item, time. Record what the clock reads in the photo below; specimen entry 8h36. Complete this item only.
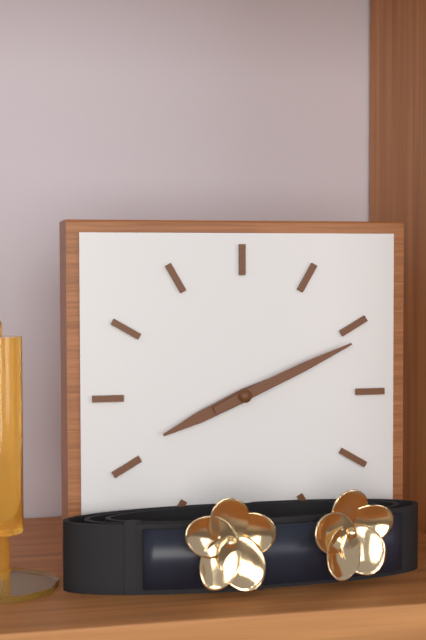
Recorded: 8h11
